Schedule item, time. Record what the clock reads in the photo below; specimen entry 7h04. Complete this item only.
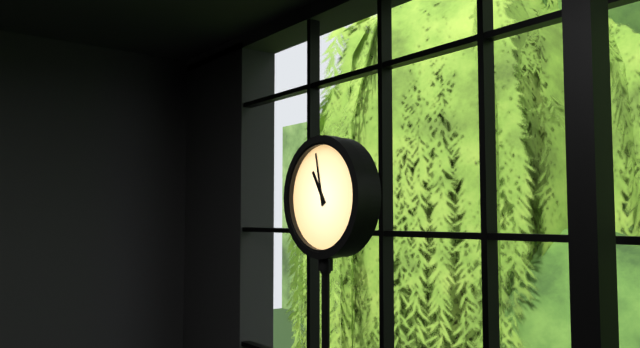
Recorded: 10h58
